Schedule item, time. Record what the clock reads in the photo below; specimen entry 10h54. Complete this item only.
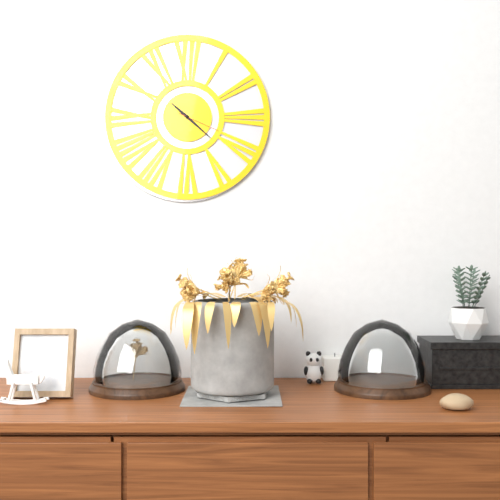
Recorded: 10h22
